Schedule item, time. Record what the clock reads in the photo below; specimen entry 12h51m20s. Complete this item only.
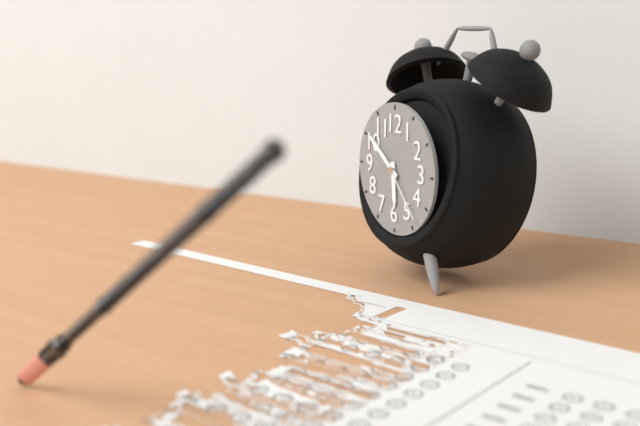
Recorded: 5h51m23s
